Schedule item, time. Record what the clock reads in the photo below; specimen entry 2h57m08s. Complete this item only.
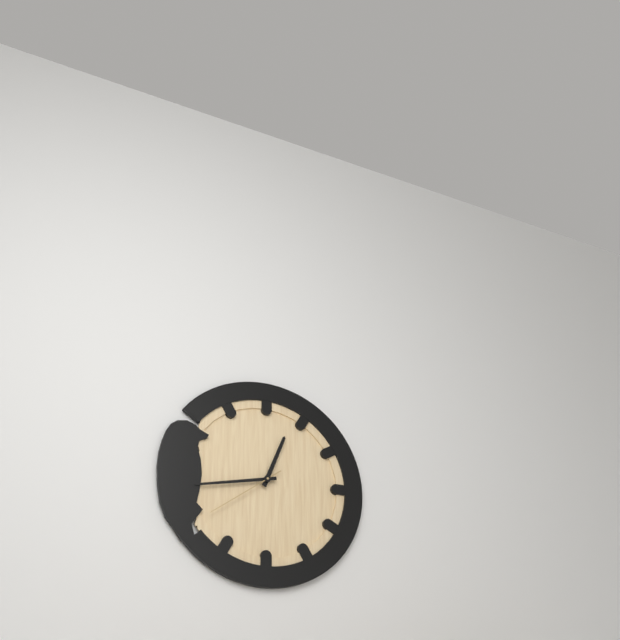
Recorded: 12h43m39s
